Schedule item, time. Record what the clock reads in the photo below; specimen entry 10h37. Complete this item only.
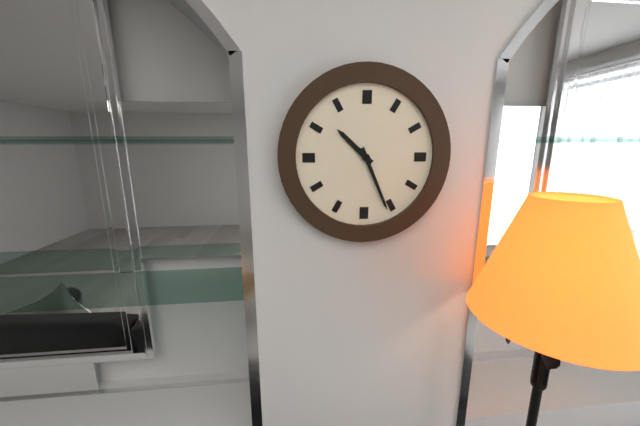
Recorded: 10h26
